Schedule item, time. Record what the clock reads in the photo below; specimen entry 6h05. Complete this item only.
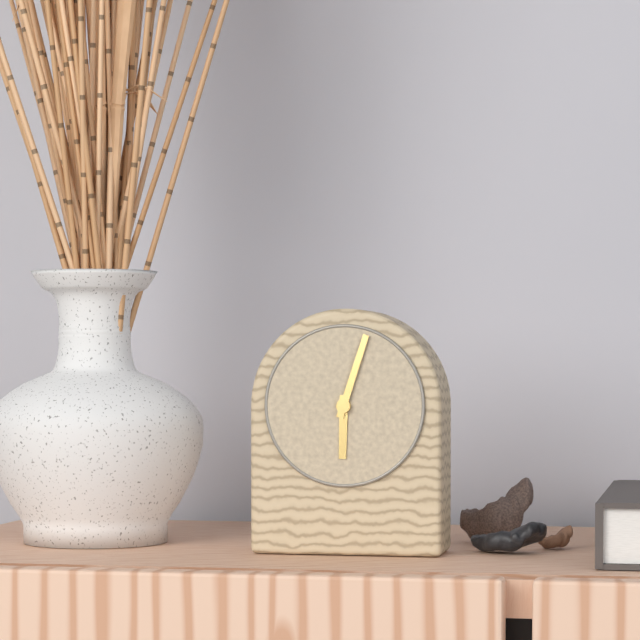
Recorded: 6h03
